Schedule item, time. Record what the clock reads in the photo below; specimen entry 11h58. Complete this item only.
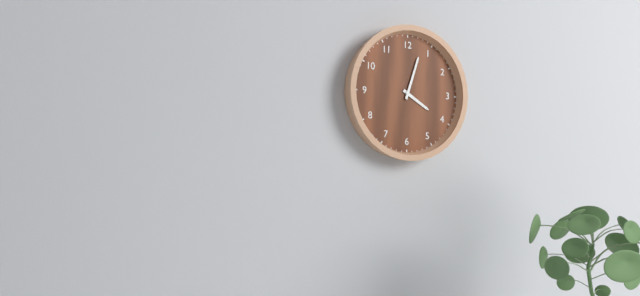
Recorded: 4h03
